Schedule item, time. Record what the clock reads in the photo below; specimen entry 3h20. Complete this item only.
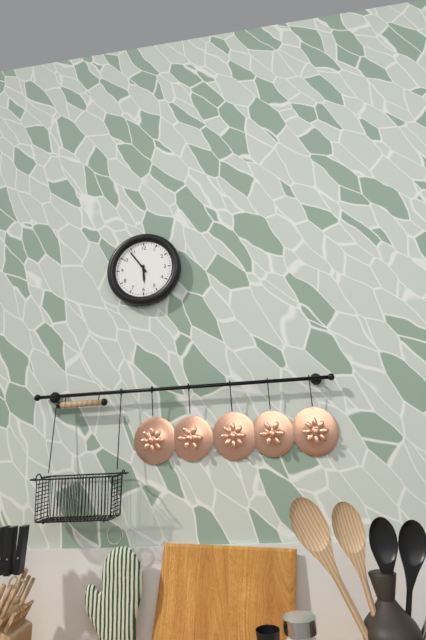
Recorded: 5h54
